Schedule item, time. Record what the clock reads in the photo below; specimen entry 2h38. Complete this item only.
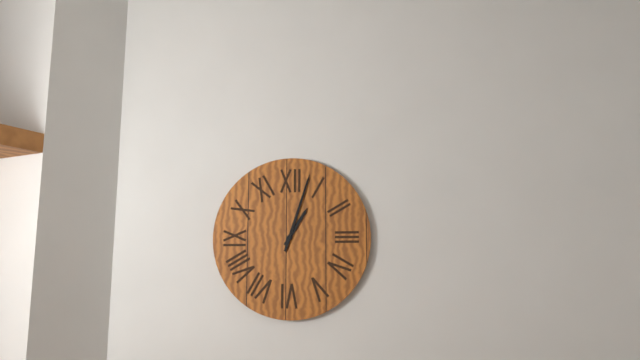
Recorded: 1h03
